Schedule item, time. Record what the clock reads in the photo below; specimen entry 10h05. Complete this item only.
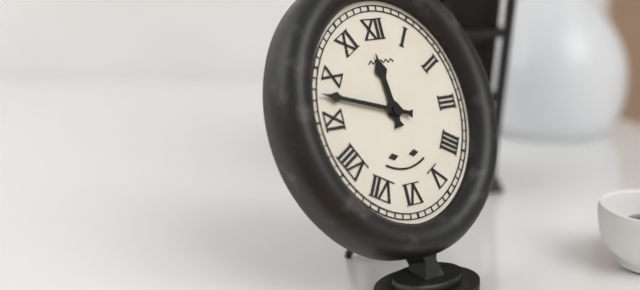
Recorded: 11h48
